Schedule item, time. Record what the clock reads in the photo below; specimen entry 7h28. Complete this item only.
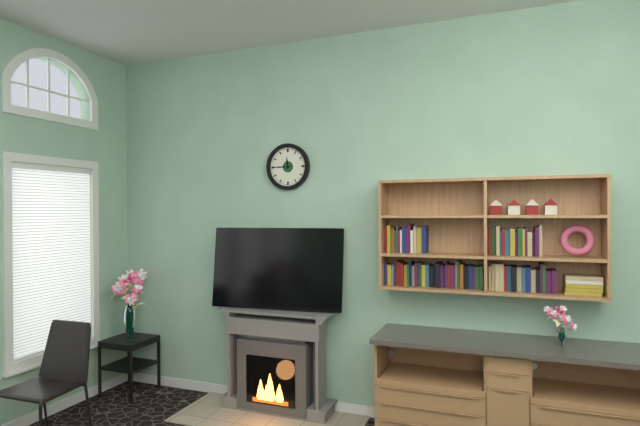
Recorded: 11h45
